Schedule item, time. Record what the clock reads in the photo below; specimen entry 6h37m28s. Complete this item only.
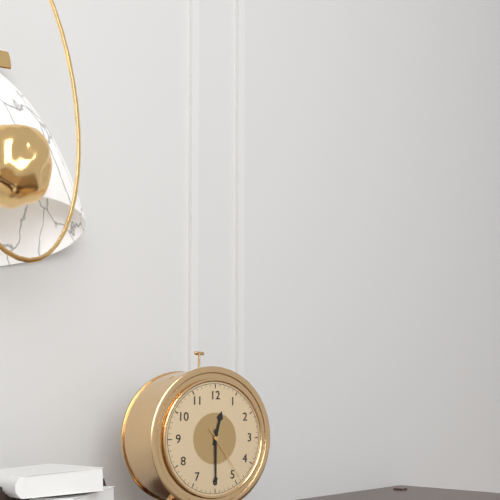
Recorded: 12h30m24s
